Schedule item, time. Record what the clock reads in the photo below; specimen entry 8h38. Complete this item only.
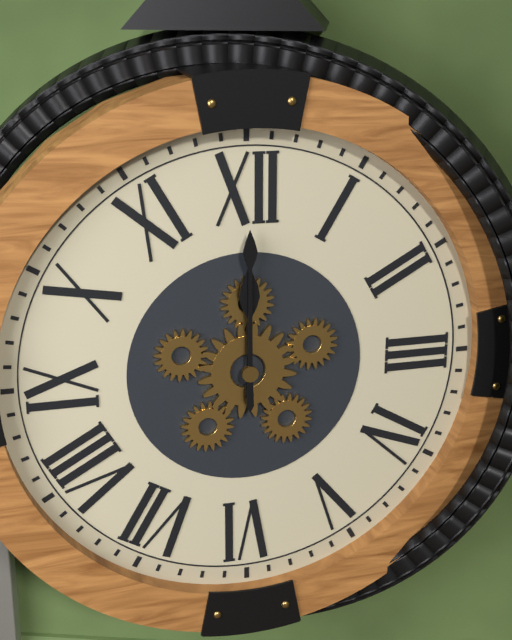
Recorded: 12h00
